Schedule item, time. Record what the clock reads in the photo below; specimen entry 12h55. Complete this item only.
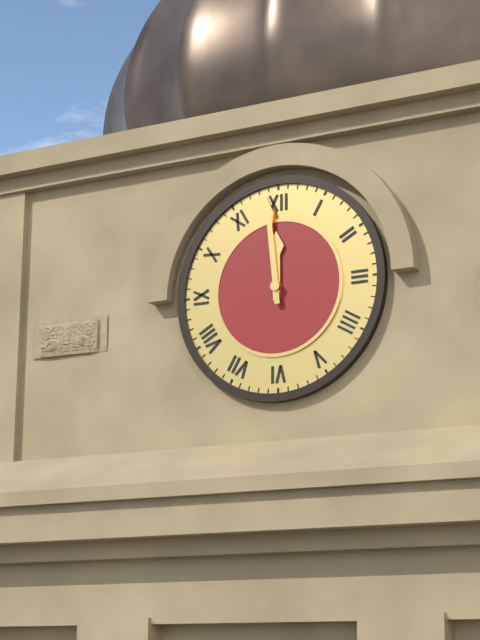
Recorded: 11h59
